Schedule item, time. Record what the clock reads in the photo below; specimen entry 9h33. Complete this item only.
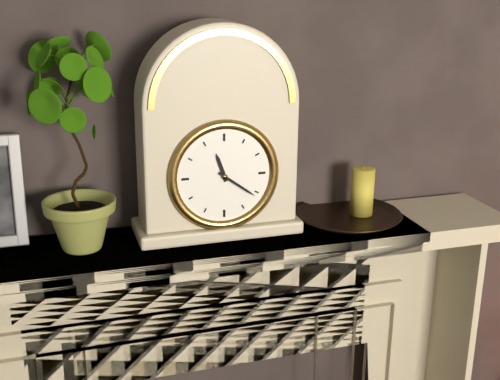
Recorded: 11h21
